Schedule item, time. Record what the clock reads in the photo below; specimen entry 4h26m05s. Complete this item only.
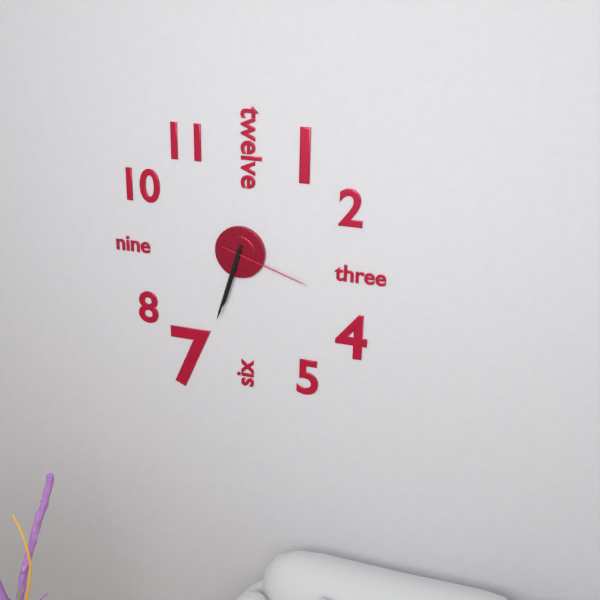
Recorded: 6h33m18s
